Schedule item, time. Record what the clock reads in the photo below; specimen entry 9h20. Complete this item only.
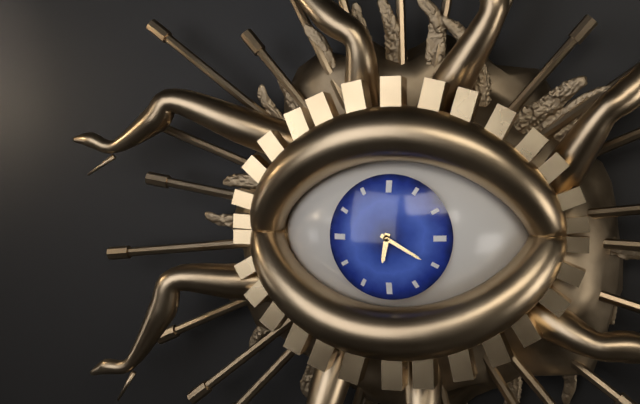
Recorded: 6h20
